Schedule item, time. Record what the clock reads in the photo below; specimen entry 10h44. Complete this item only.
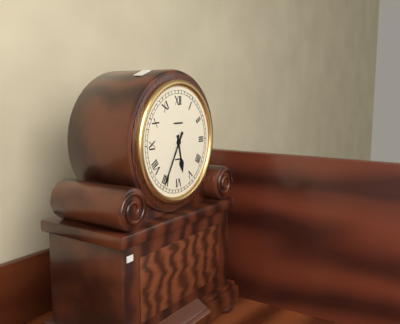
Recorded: 5h35
